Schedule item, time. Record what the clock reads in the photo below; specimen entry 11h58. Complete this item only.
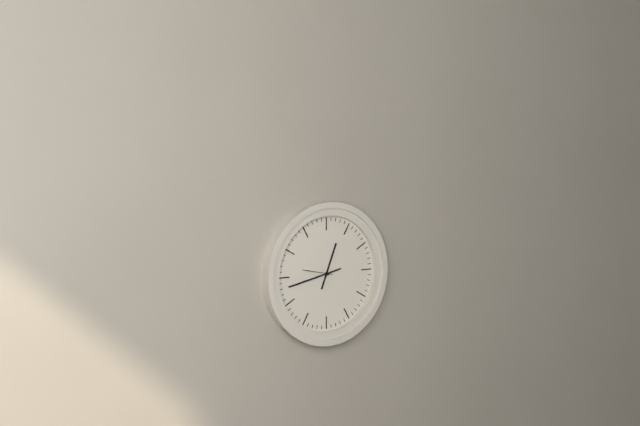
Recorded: 12h43
